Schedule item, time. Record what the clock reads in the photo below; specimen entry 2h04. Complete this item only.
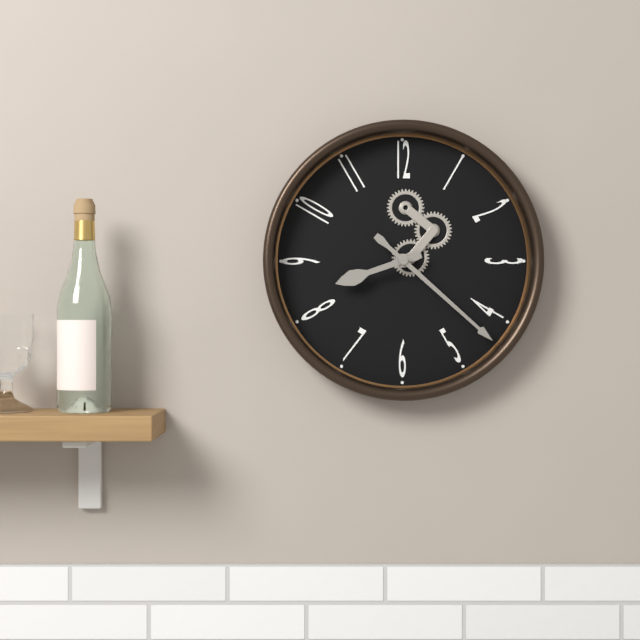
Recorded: 8h22
